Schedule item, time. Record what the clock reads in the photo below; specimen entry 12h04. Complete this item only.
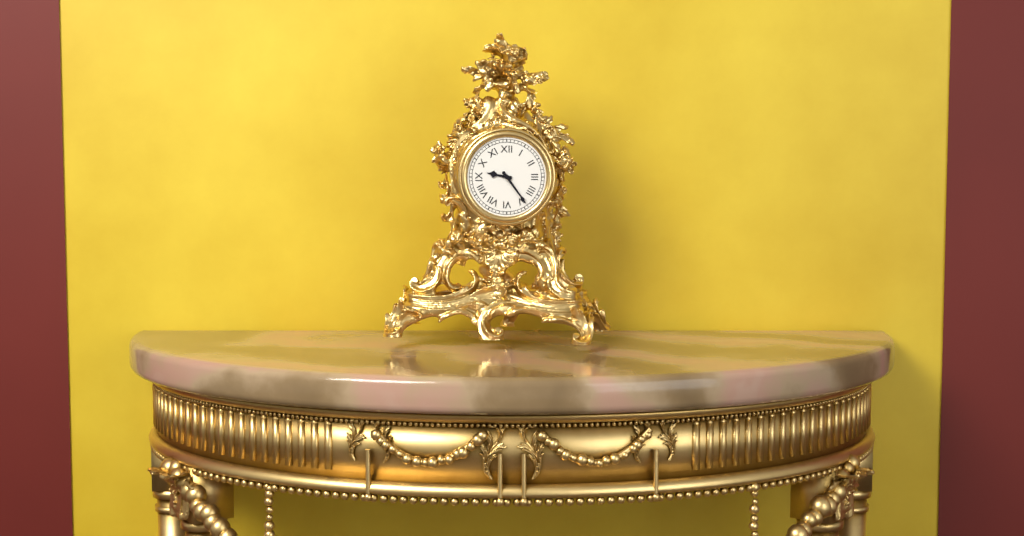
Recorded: 9h24
